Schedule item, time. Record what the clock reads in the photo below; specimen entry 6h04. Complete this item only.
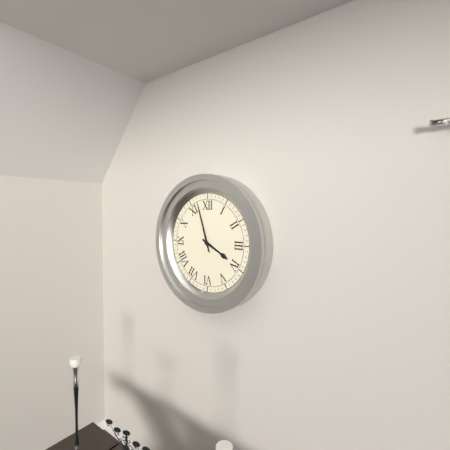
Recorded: 3h57
